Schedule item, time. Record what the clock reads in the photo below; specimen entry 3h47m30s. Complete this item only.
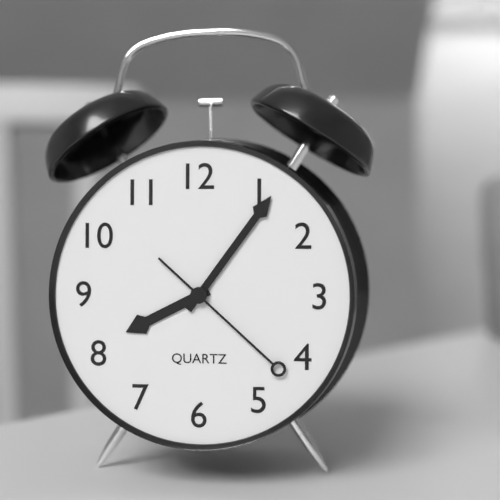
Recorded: 8h06m22s
